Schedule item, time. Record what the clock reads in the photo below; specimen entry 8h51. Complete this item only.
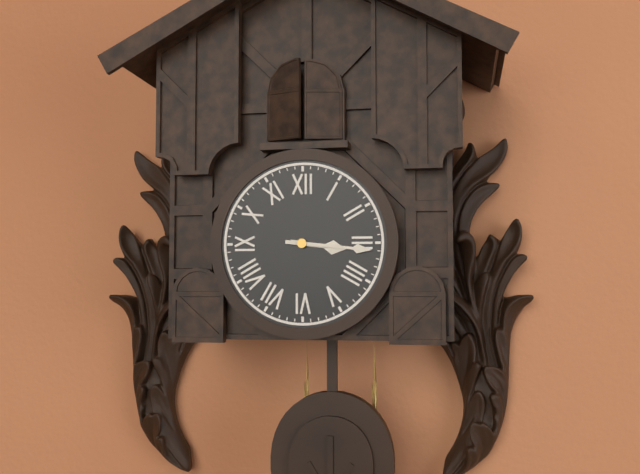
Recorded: 3h16
